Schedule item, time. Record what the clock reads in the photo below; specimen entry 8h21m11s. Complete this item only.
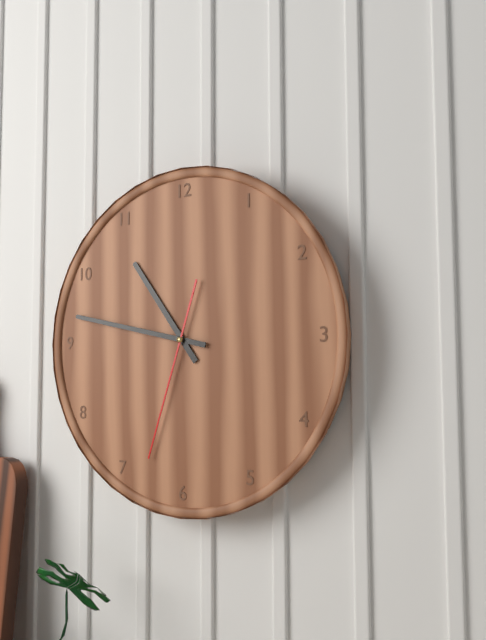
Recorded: 10h47m33s
